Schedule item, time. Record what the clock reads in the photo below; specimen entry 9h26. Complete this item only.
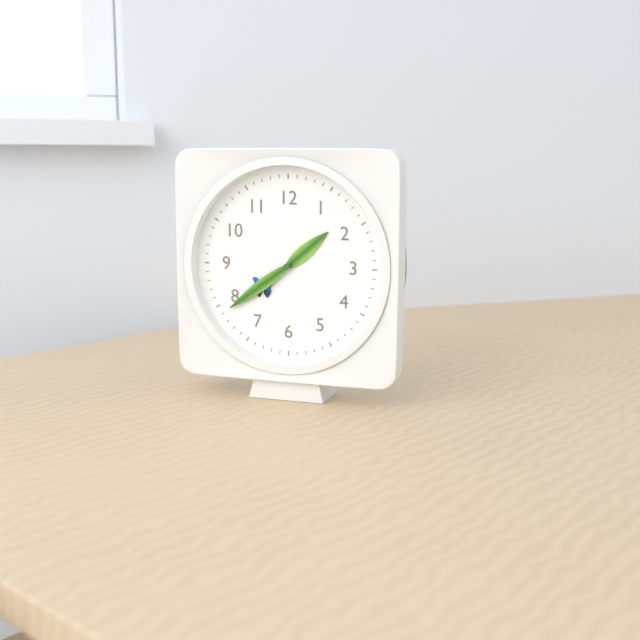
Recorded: 1h39
